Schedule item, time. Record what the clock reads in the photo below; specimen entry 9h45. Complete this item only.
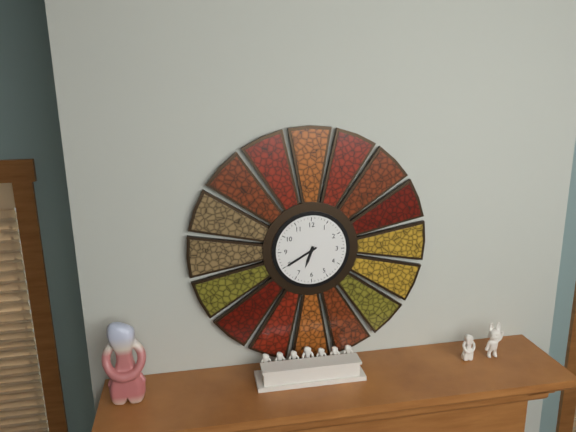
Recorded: 6h40
